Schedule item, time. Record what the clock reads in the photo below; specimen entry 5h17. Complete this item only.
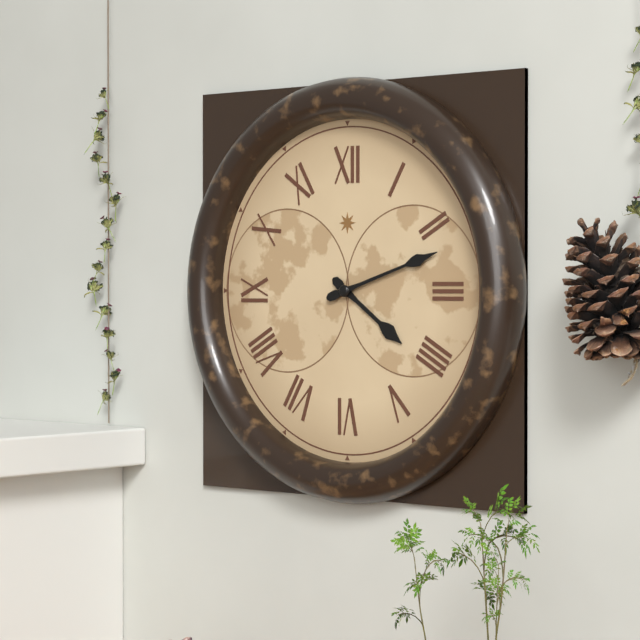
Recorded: 4h12
